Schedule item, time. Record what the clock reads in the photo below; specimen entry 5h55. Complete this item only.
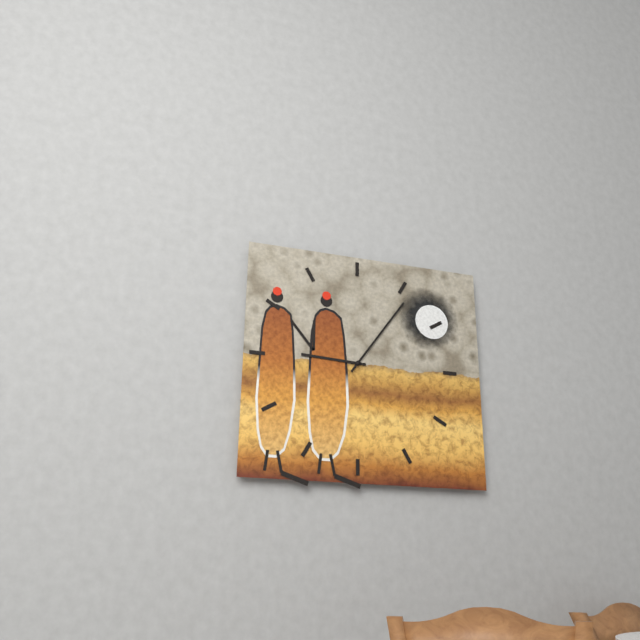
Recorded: 9h06
